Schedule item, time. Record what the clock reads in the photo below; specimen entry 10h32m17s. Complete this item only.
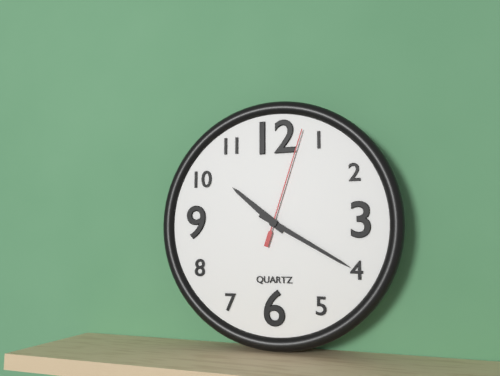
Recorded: 10h20m03s
